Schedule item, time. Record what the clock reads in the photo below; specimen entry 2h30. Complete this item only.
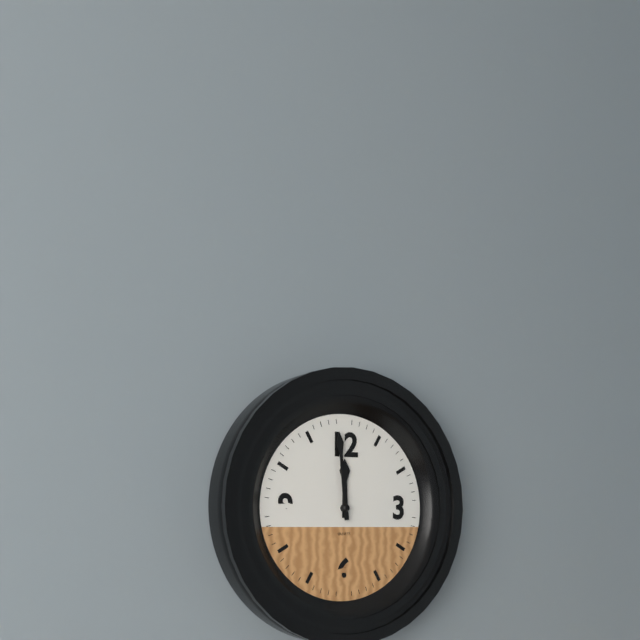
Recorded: 11h59
